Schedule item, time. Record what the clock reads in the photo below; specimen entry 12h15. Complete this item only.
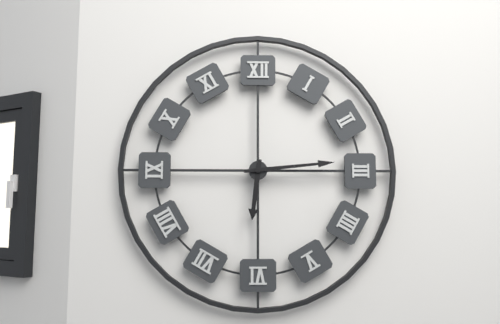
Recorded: 6h14
